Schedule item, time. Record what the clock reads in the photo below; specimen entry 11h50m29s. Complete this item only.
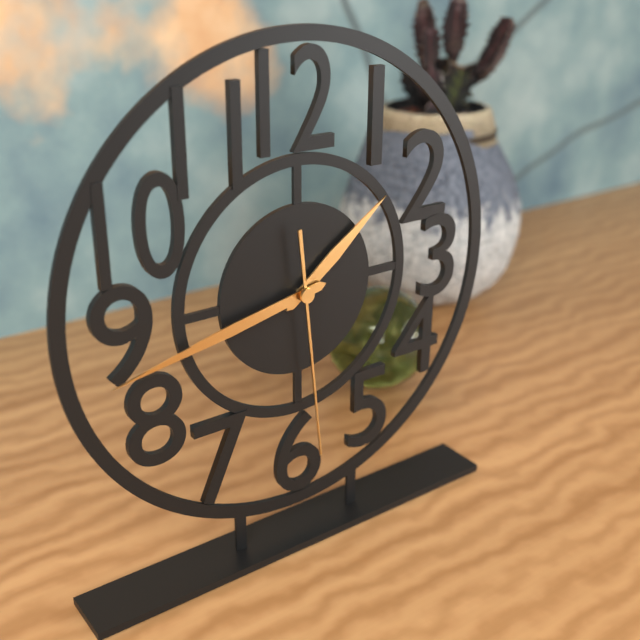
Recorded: 1h43m29s
